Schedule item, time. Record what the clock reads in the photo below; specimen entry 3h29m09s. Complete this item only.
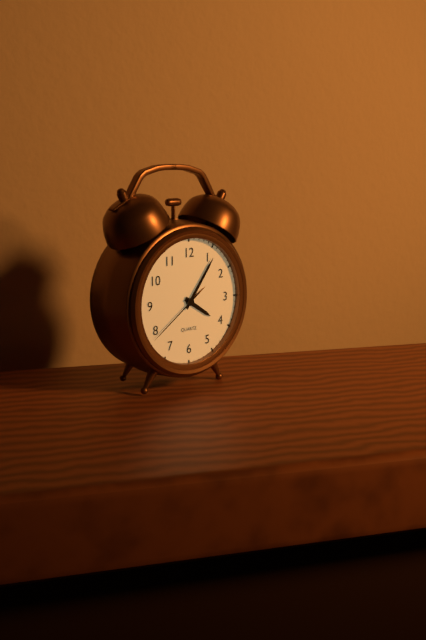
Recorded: 4h06m39s
